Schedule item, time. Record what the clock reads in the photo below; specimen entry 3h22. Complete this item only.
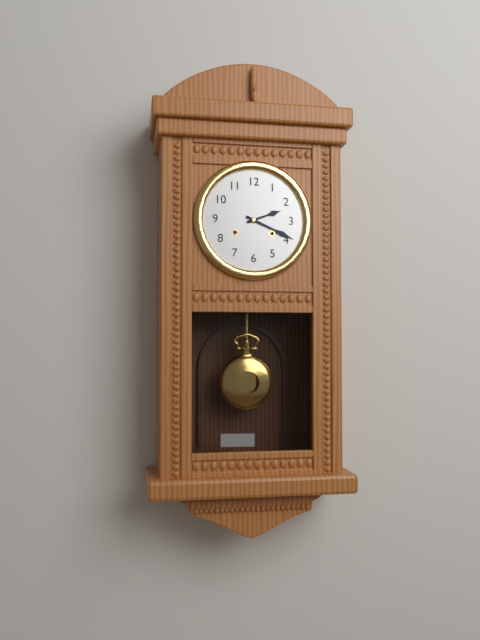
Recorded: 2h19
